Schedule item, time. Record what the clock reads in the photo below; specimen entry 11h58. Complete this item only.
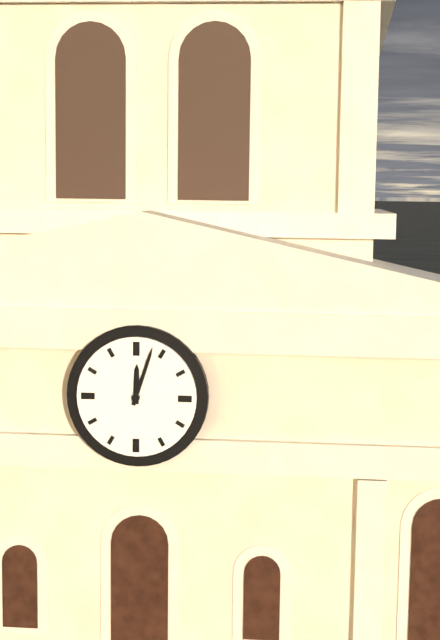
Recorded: 12h03
